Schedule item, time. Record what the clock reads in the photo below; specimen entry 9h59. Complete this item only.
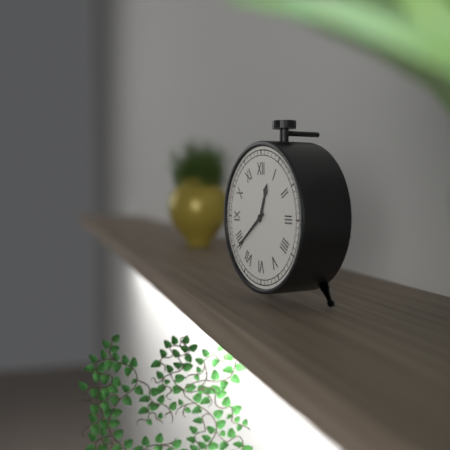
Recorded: 12h39
